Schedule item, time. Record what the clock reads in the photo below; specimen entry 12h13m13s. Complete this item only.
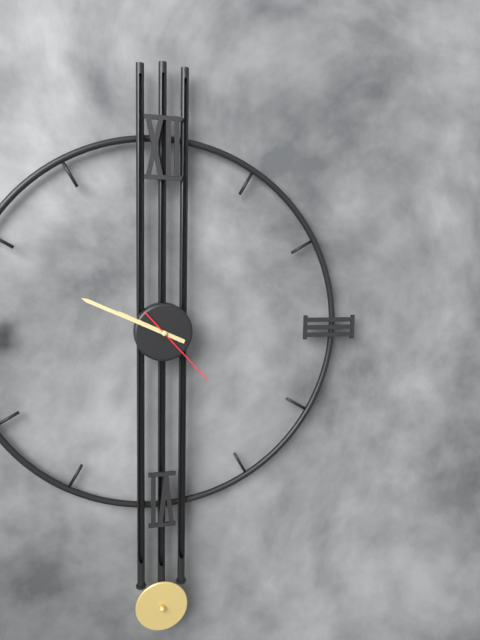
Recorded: 9h49m23s
